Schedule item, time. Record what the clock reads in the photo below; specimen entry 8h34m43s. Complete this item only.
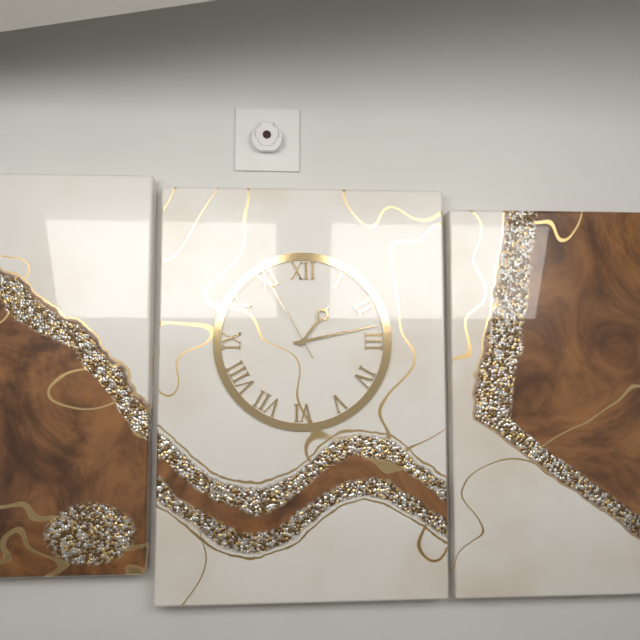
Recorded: 1h13m55s
